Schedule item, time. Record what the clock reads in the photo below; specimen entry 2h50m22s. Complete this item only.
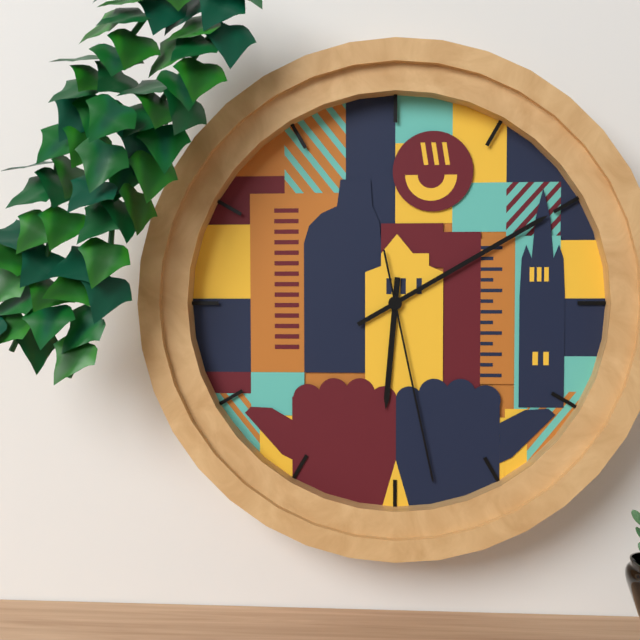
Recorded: 6h10m28s
